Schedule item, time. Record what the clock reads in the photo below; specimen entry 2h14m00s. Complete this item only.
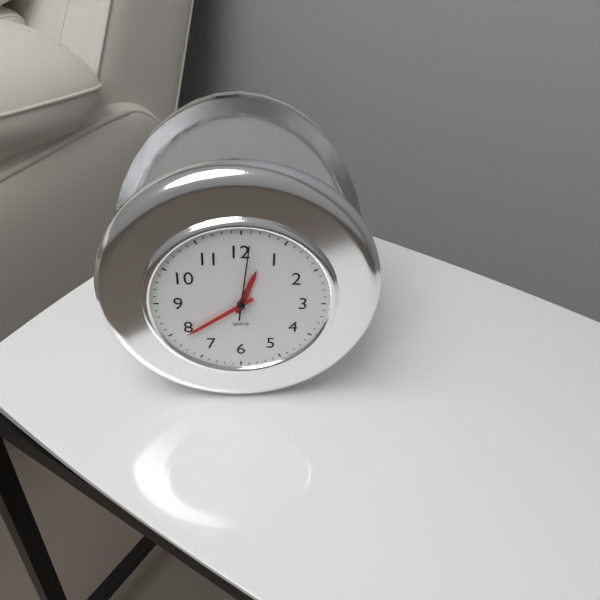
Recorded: 12h39m01s
